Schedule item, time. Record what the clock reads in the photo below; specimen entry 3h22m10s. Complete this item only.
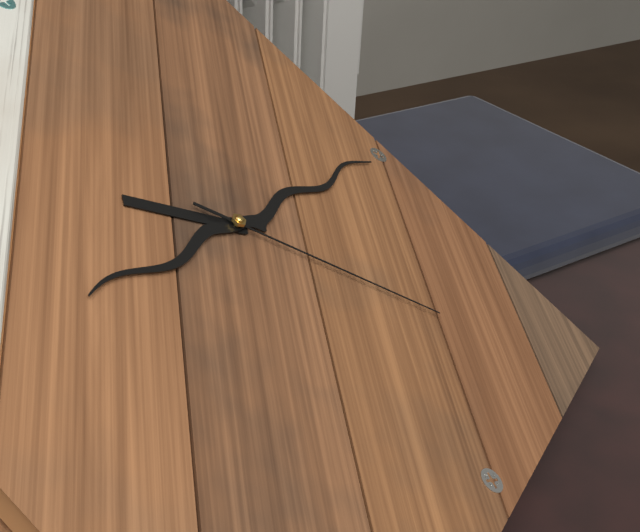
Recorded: 10h15m24s
